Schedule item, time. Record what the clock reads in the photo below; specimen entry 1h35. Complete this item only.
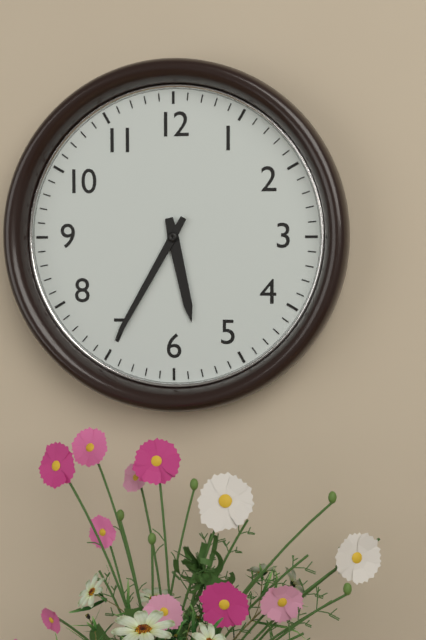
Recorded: 5h35
